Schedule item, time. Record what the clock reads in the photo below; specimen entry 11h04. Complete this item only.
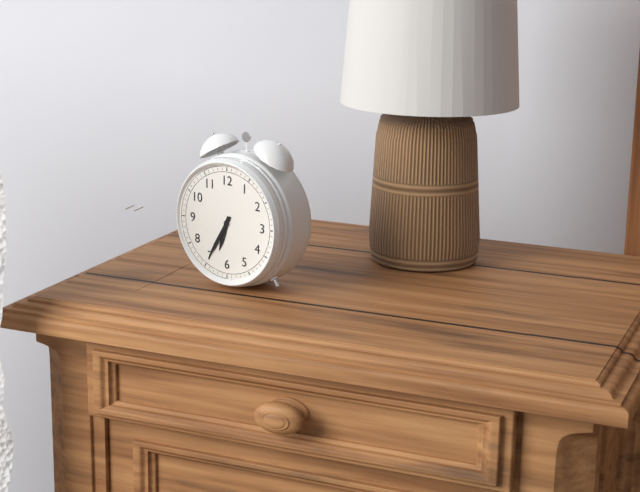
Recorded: 6h35
